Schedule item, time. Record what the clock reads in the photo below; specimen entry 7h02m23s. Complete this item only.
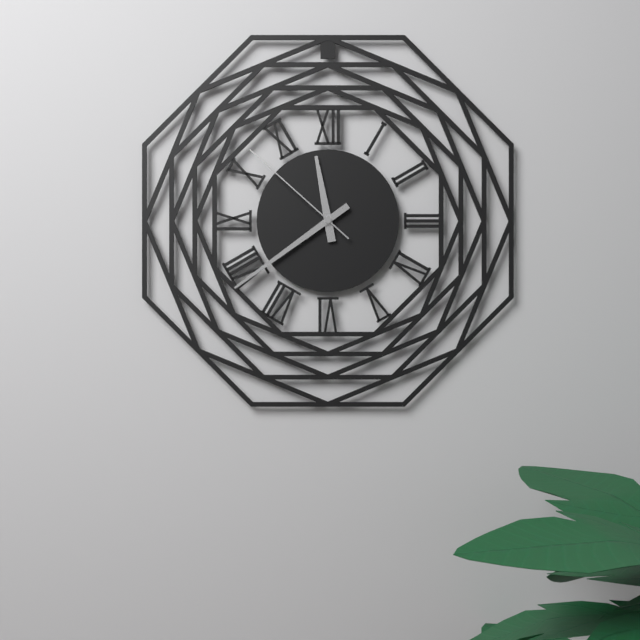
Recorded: 11h39m52s
